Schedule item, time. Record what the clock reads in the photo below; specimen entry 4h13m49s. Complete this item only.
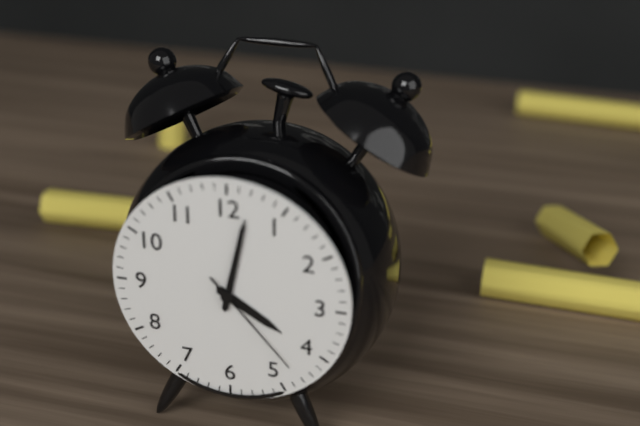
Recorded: 4h02m23s
